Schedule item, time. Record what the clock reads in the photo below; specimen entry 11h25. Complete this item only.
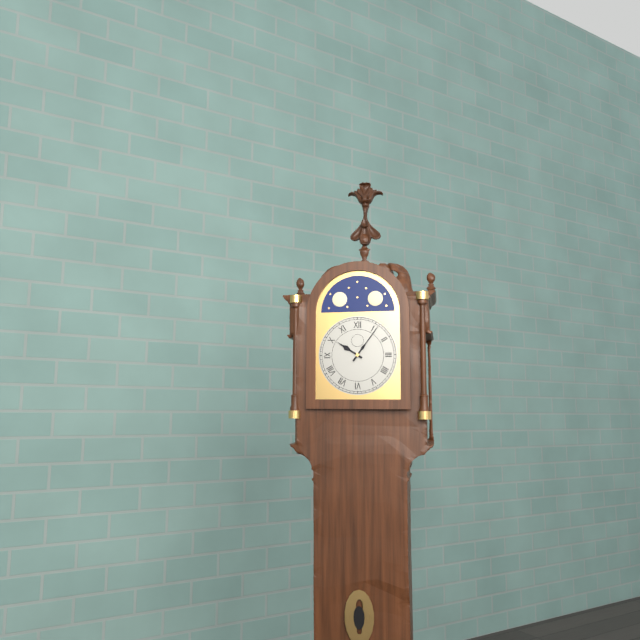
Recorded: 10h06
